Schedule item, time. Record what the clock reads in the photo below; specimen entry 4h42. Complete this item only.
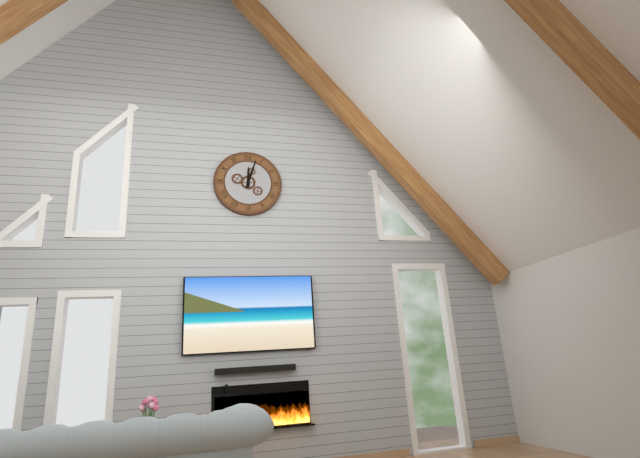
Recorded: 12h03
